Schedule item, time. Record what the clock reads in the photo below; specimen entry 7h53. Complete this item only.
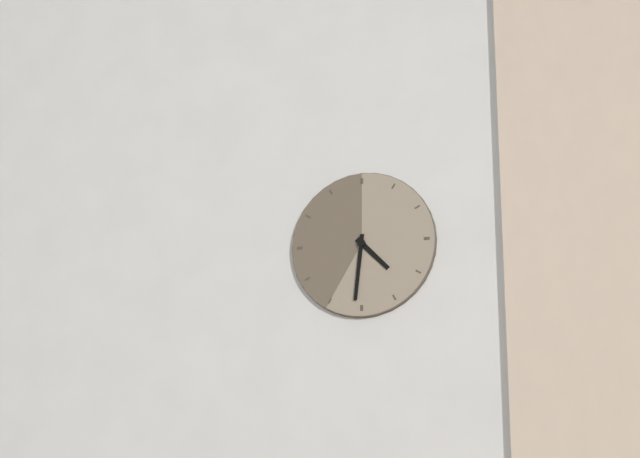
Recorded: 4h31
